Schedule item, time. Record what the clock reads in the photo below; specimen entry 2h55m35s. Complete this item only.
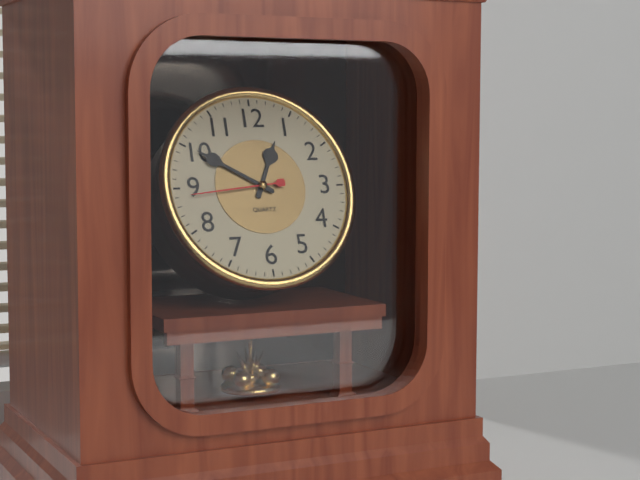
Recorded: 12h50m44s
